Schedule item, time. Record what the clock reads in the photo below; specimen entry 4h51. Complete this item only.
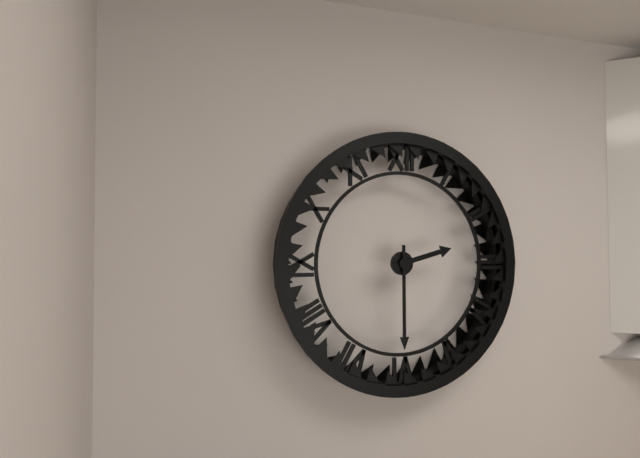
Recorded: 2h30
